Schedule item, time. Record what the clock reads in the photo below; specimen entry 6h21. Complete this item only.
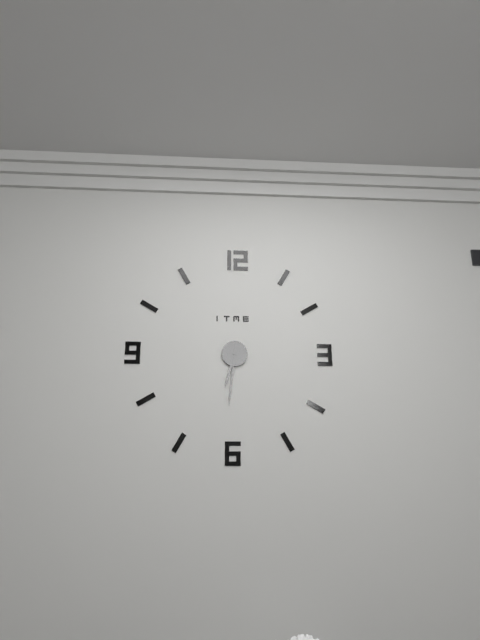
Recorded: 6h31
